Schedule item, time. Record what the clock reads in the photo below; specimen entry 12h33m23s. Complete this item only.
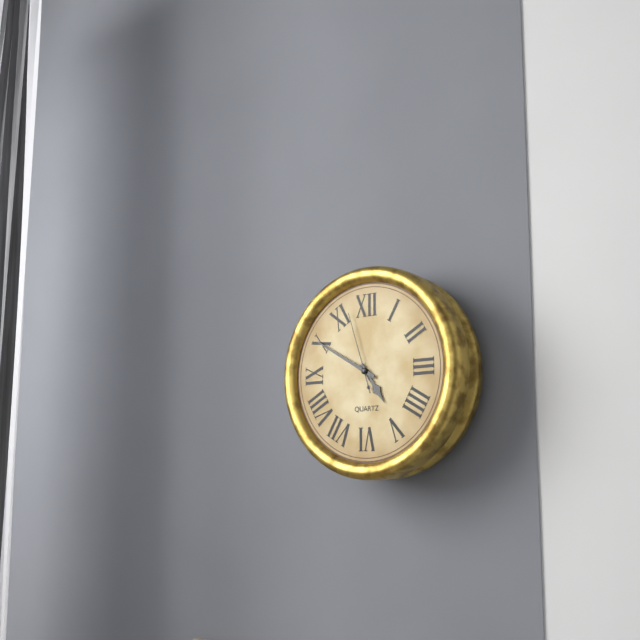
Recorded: 4h50m57s
